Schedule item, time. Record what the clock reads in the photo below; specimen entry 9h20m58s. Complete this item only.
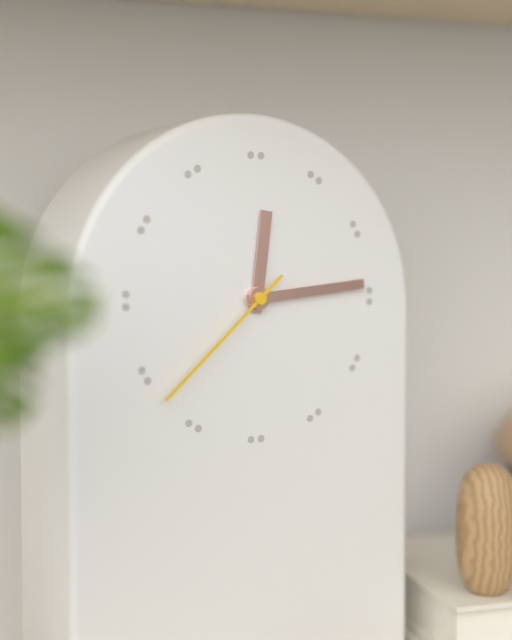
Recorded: 12h14m38s
